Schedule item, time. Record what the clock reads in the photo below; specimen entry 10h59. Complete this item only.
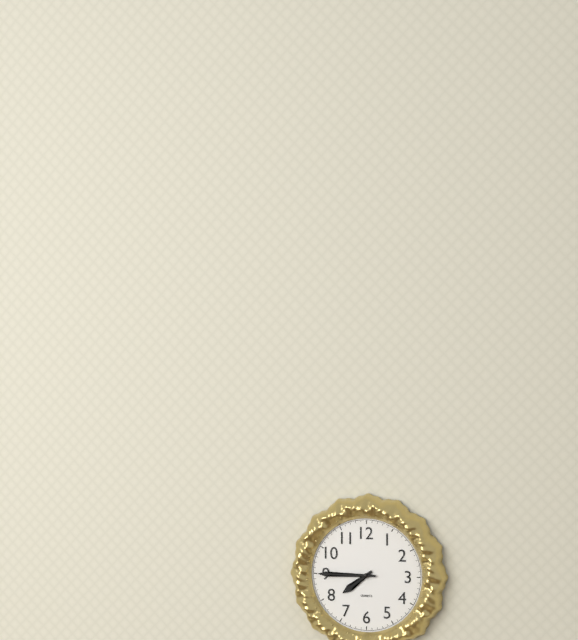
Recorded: 7h45
